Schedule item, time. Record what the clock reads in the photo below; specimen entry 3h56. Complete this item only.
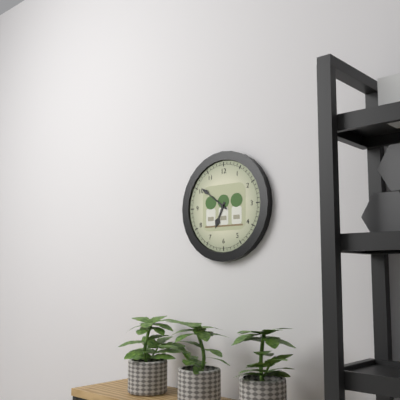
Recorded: 6h51
